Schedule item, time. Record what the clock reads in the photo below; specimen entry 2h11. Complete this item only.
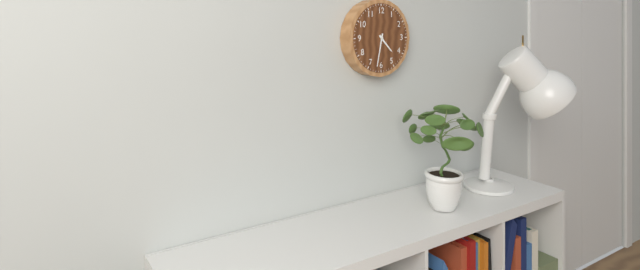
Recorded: 4h32
